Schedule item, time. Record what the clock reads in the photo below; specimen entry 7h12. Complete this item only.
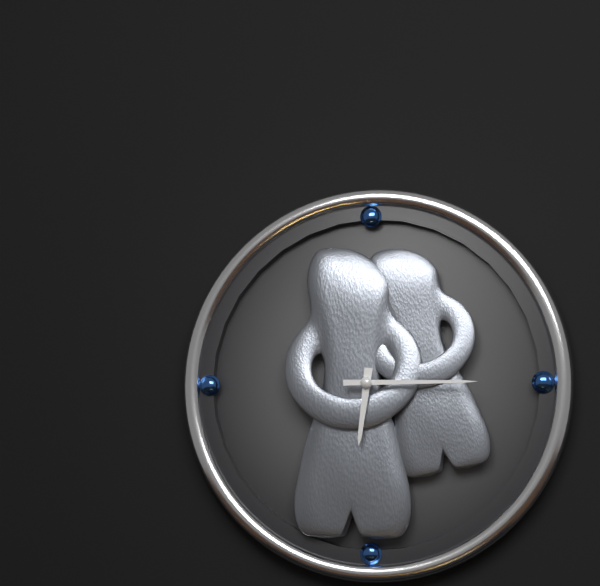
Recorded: 6h15
